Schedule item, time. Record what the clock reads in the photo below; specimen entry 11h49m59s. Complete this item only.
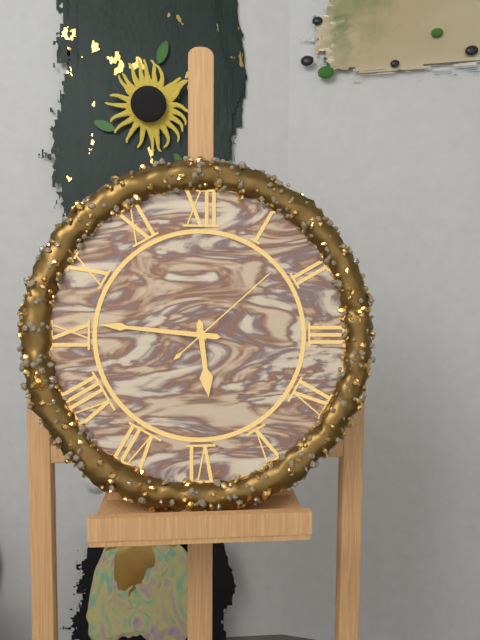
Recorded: 5h46m08s
